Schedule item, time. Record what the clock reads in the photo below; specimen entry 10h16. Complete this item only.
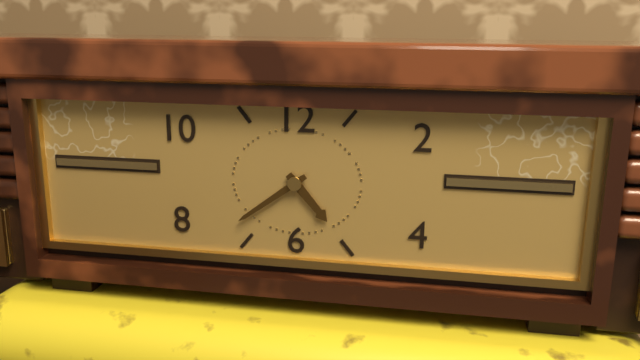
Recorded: 4h39
